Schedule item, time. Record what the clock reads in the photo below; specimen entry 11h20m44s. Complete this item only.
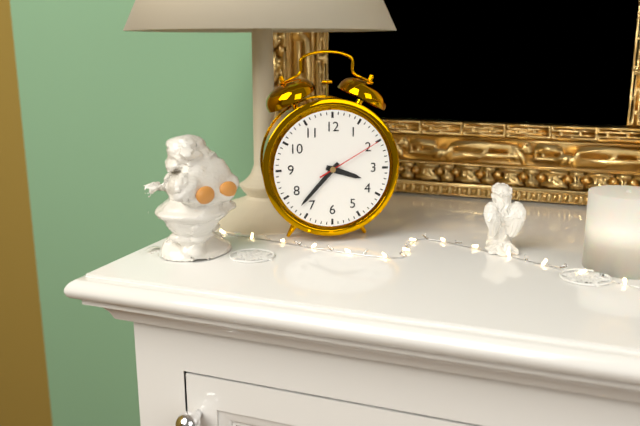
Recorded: 3h37m10s
